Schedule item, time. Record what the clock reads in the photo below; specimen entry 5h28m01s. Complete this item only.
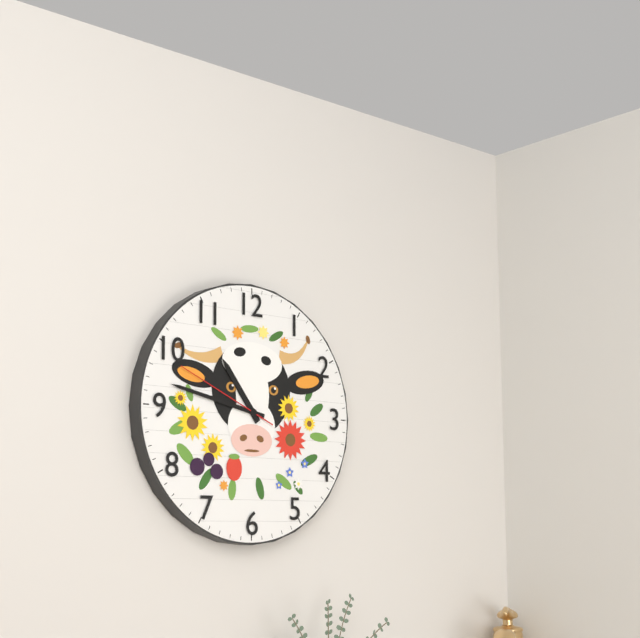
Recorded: 10h47m49s
